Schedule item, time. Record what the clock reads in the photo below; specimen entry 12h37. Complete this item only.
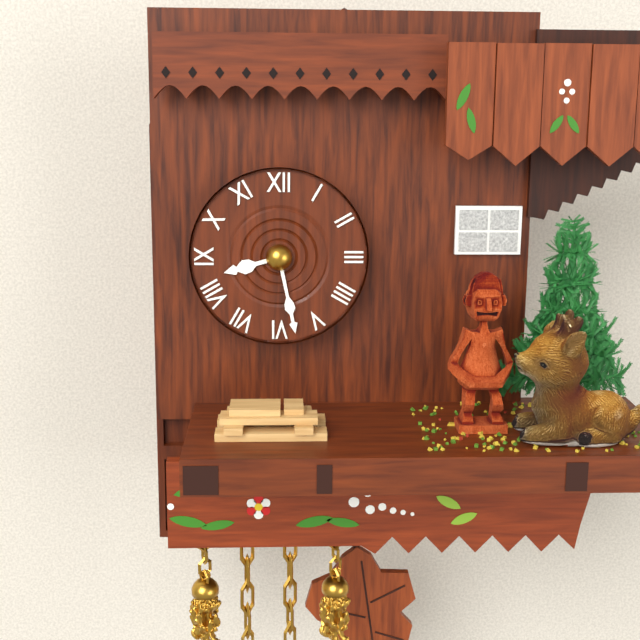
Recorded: 8h28
